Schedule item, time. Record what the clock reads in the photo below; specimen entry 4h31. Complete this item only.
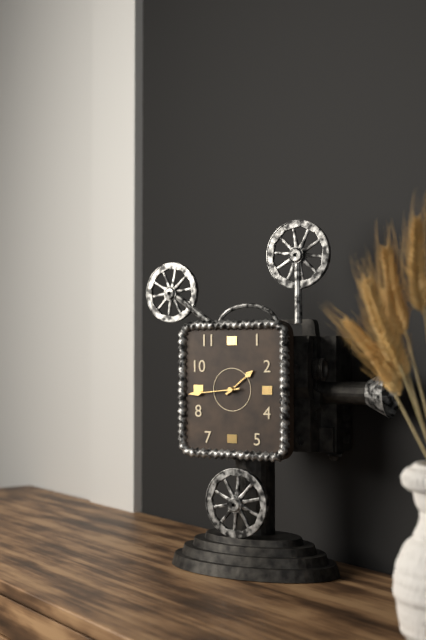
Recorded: 1h44
